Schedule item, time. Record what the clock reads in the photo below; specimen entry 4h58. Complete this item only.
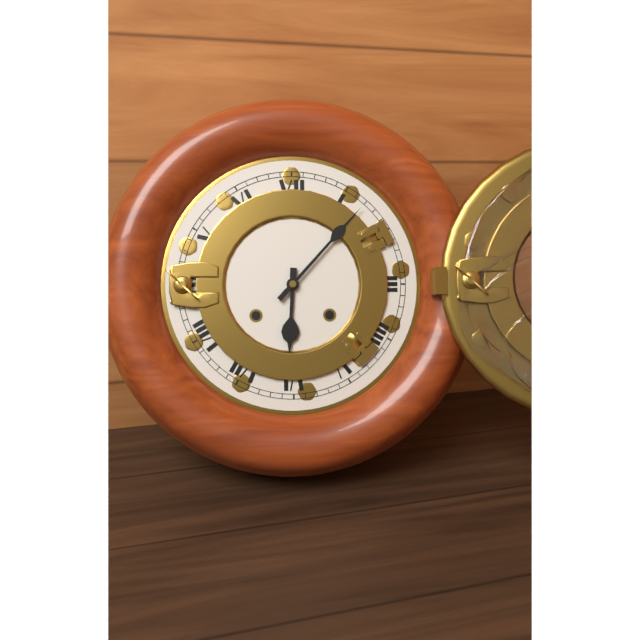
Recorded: 6h07
